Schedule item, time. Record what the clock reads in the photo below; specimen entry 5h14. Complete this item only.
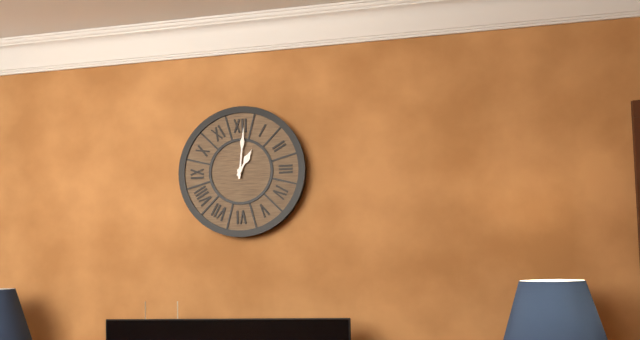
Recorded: 1h01
